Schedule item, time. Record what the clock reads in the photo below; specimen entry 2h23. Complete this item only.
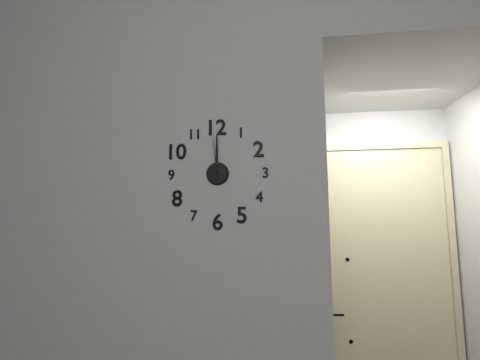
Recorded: 12h00
